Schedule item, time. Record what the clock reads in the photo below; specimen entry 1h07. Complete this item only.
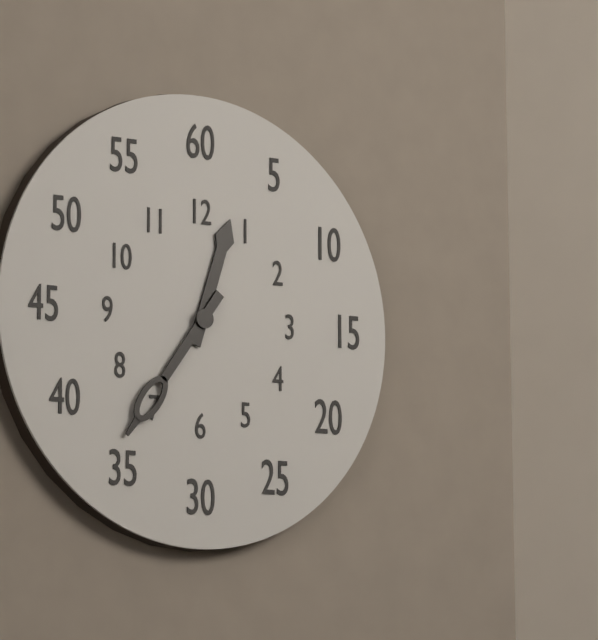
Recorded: 12h36
